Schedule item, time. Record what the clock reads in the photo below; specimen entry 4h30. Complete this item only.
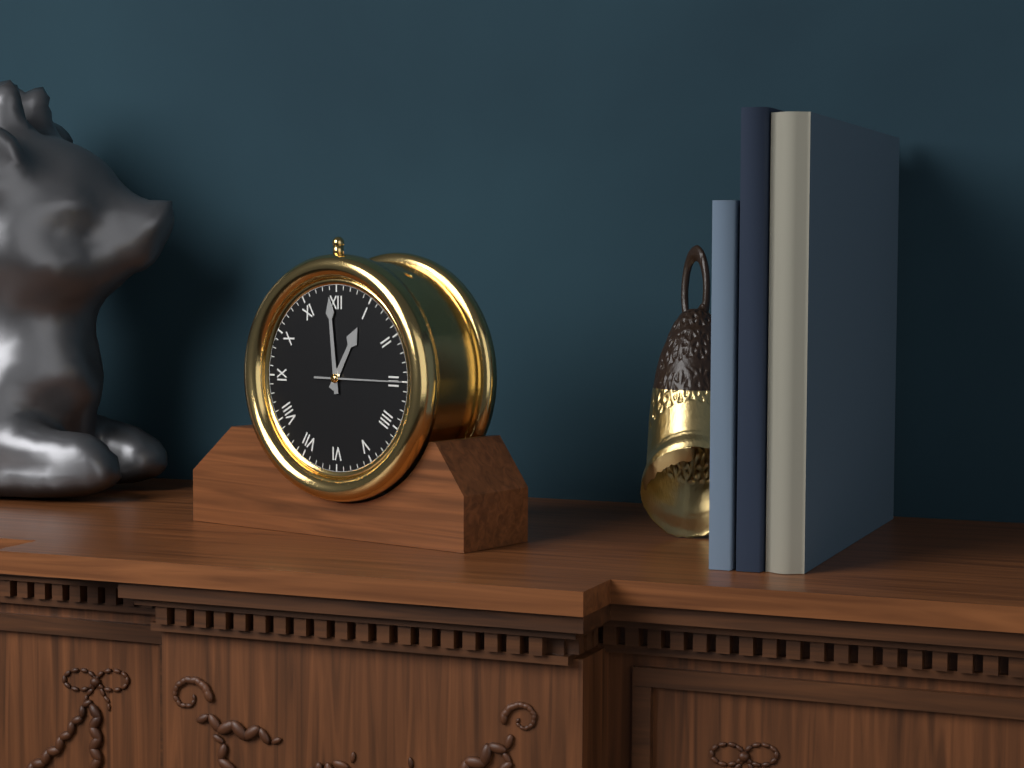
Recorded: 12h59
